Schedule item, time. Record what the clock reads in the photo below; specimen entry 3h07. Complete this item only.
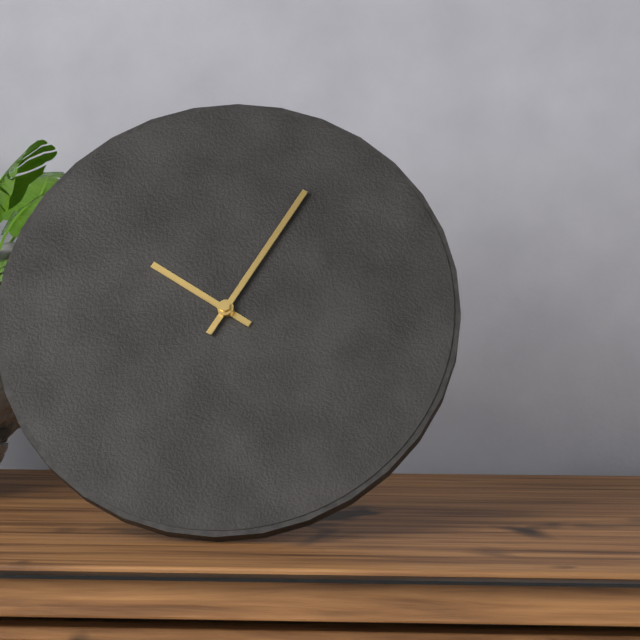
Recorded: 10h05
